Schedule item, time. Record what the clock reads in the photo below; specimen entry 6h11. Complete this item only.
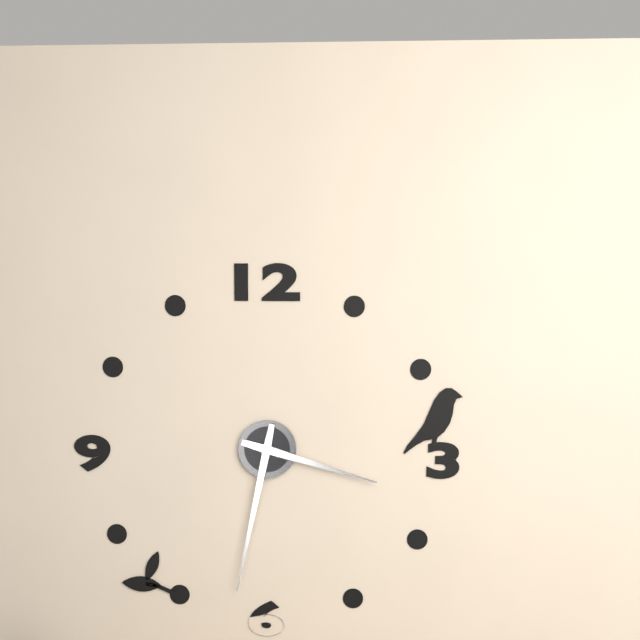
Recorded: 3h32
